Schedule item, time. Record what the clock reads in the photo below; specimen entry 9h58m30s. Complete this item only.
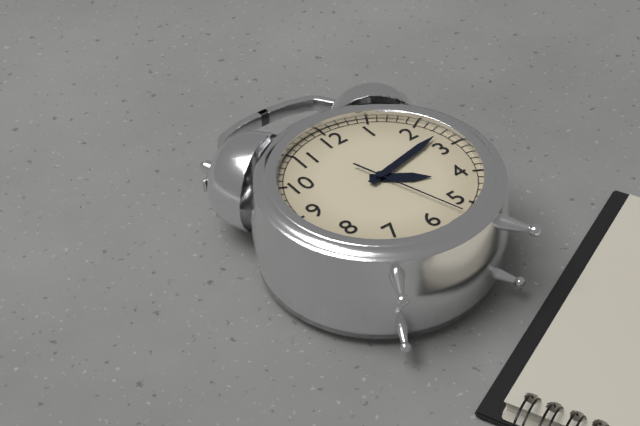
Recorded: 4h13m27s
